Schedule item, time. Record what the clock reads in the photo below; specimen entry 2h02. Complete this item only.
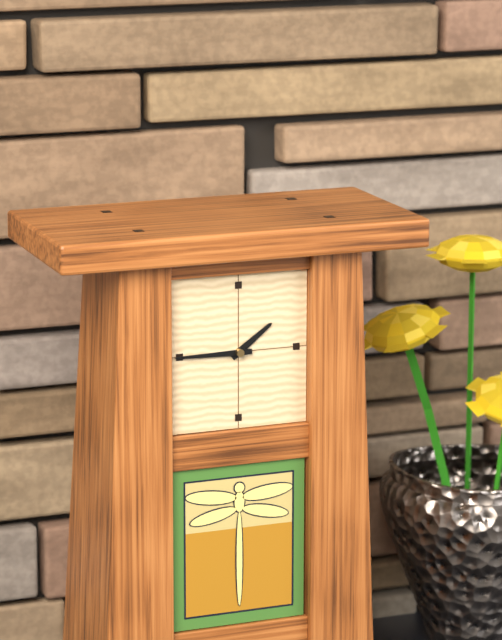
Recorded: 1h45
